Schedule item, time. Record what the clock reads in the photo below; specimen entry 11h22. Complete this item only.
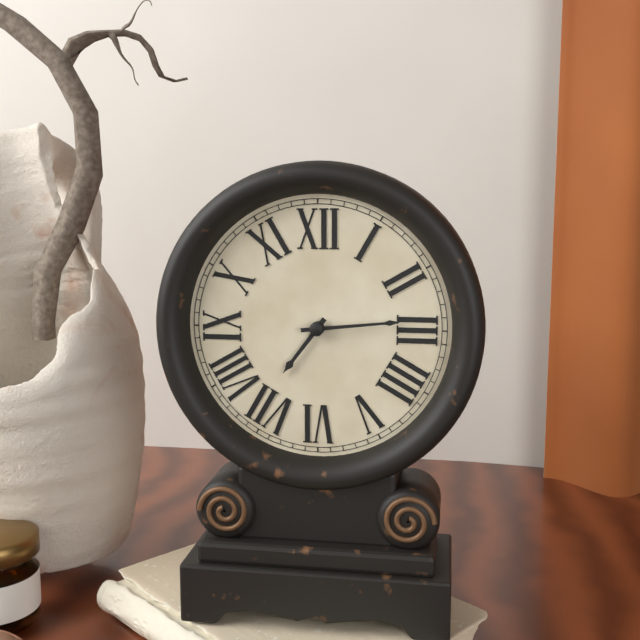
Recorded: 7h14
